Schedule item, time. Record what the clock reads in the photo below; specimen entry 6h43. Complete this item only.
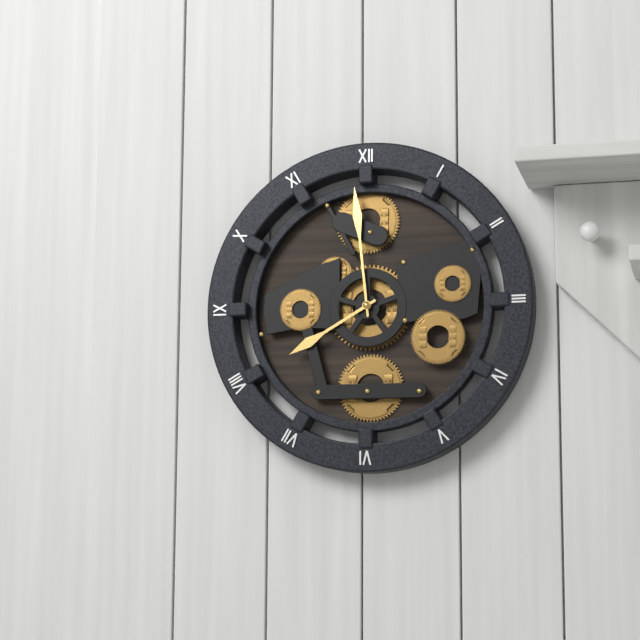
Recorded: 7h59
